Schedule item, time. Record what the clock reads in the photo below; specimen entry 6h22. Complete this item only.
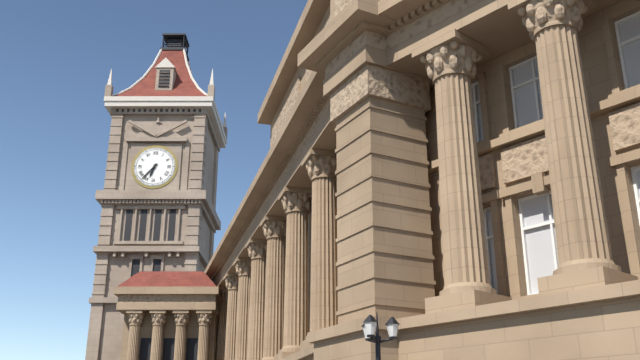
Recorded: 6h37
